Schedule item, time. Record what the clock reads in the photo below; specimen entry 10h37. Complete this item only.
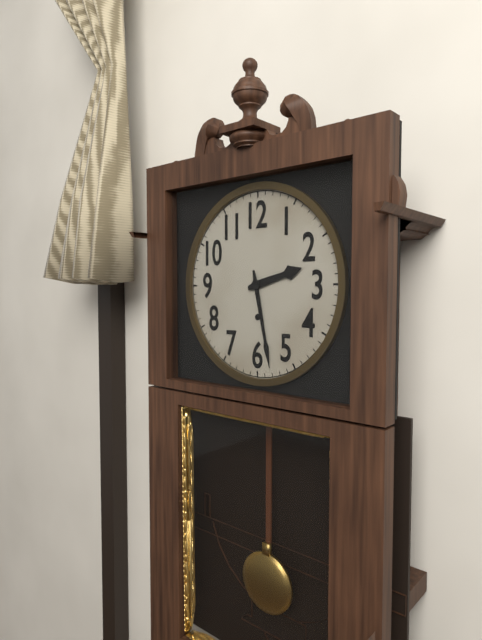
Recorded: 2h28
